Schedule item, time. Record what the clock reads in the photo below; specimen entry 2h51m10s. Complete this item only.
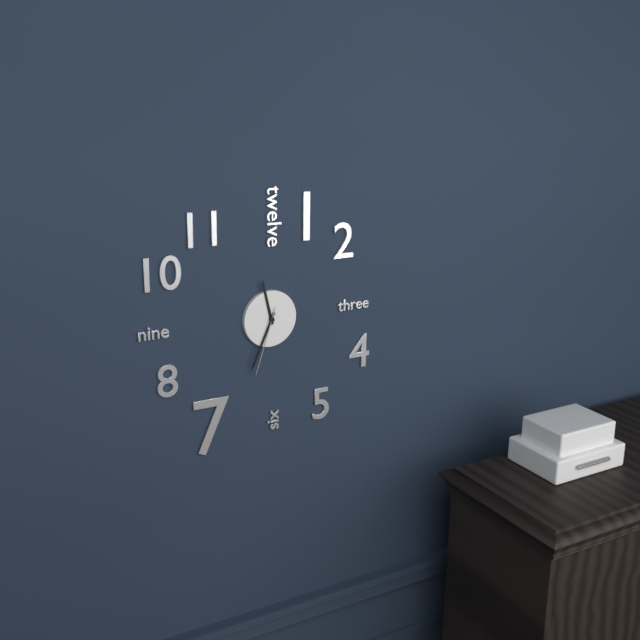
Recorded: 11h34m33s
